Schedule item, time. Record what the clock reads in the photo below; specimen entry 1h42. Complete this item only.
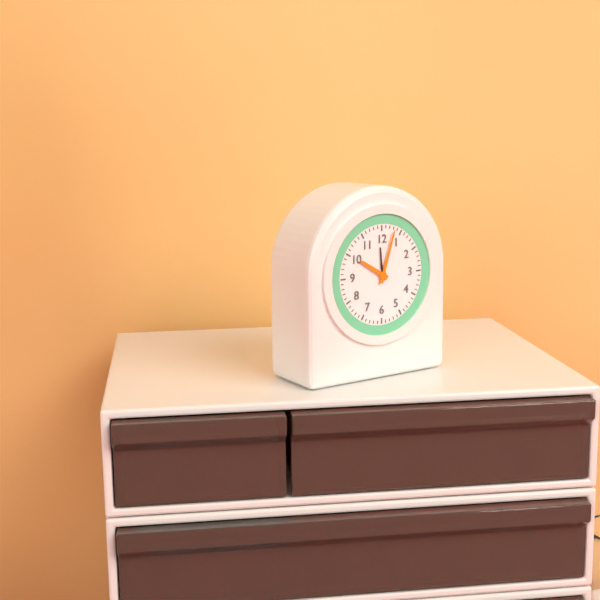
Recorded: 10h03
